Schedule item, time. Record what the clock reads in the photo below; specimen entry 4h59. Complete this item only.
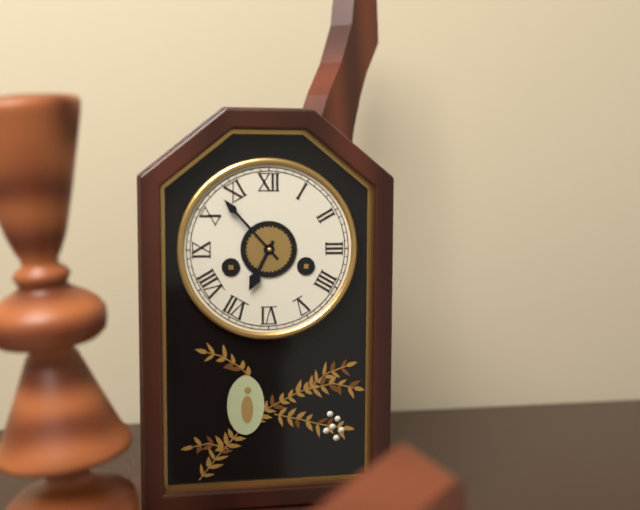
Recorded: 6h53
